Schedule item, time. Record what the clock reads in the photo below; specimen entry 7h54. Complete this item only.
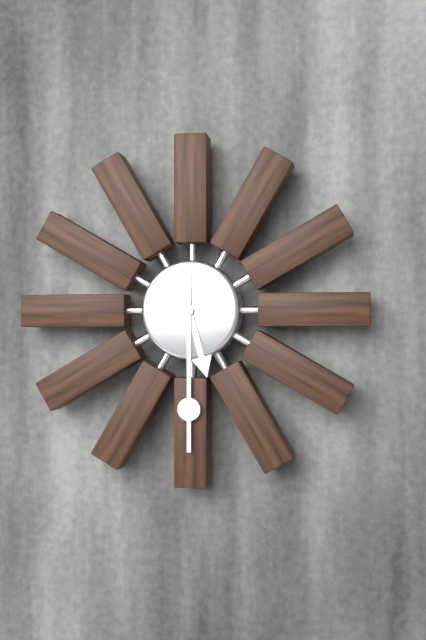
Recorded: 5h30
